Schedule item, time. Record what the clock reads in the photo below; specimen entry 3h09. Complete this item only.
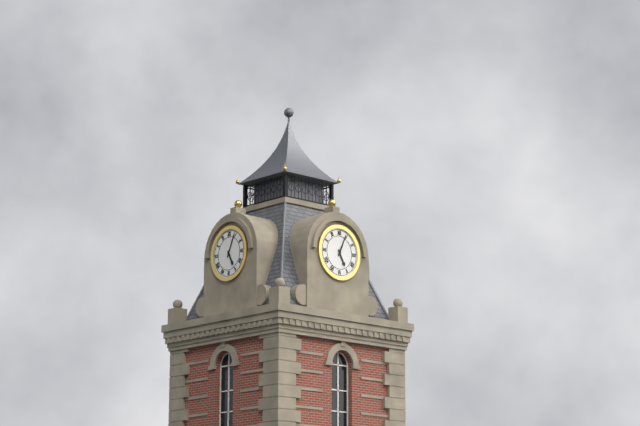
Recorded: 5h04
